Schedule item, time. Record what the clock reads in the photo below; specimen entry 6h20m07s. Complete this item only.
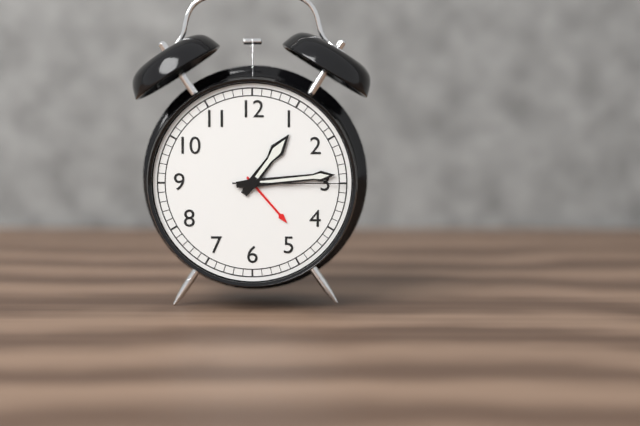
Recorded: 1h14m15s
